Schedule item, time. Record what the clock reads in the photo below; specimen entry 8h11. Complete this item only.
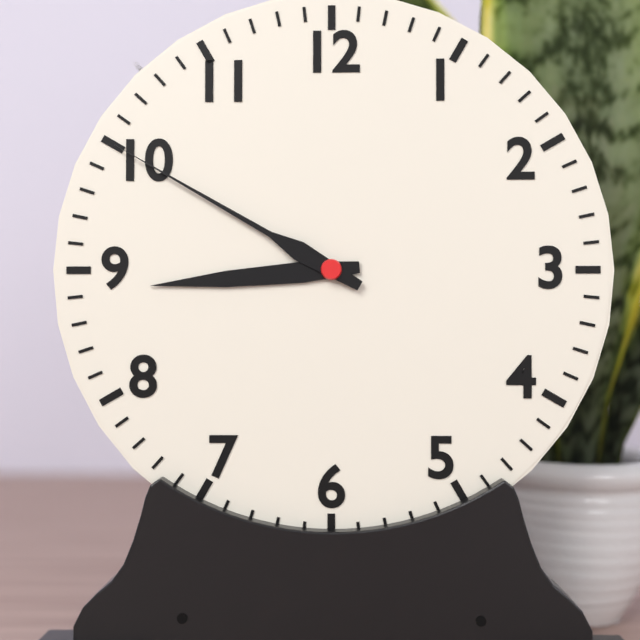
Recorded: 8h50
